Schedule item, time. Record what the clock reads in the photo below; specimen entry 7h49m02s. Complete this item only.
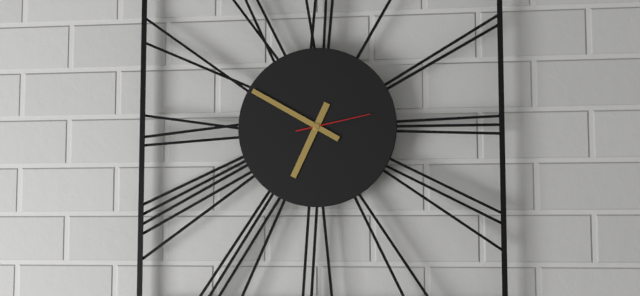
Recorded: 6h50m13s
